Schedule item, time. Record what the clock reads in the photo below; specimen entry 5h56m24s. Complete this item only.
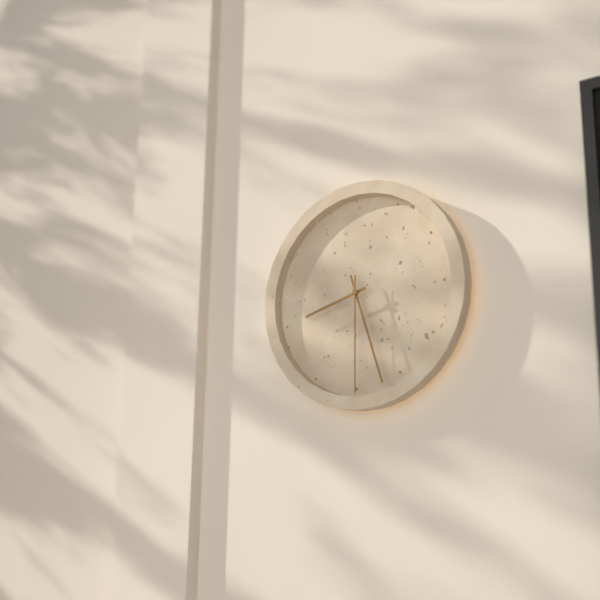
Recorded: 8h27m30s
